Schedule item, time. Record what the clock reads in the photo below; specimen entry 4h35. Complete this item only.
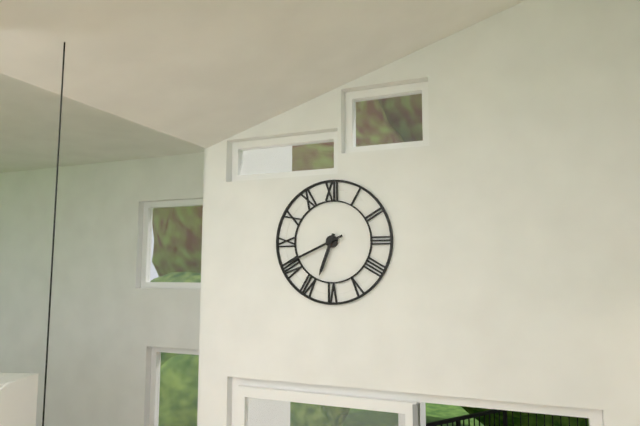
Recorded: 6h41
